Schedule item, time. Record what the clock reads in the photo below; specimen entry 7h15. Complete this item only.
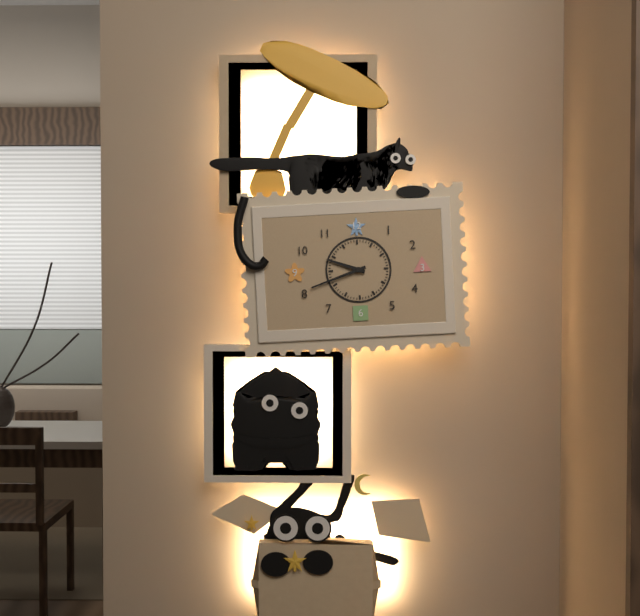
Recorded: 9h42
